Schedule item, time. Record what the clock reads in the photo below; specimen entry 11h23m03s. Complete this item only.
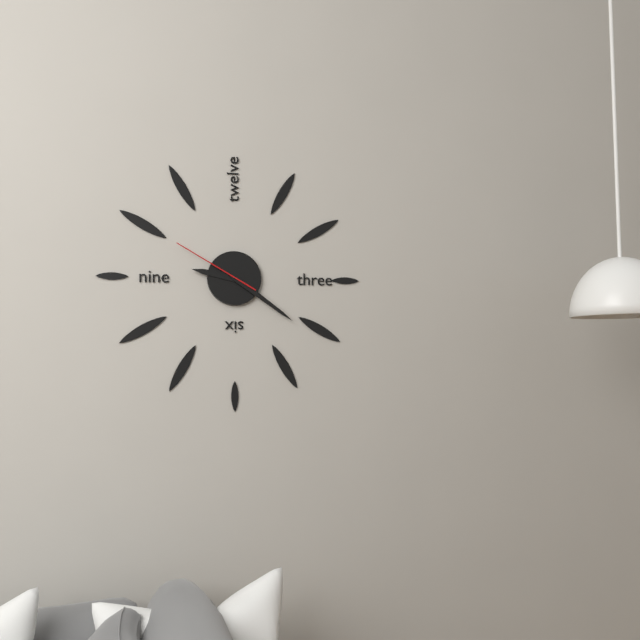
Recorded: 9h21m50s
